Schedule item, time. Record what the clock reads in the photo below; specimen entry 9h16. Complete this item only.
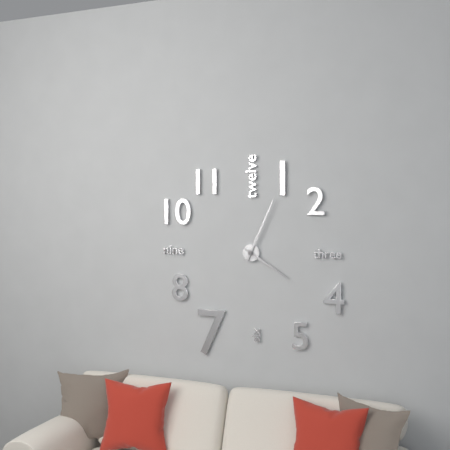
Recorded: 4h04
